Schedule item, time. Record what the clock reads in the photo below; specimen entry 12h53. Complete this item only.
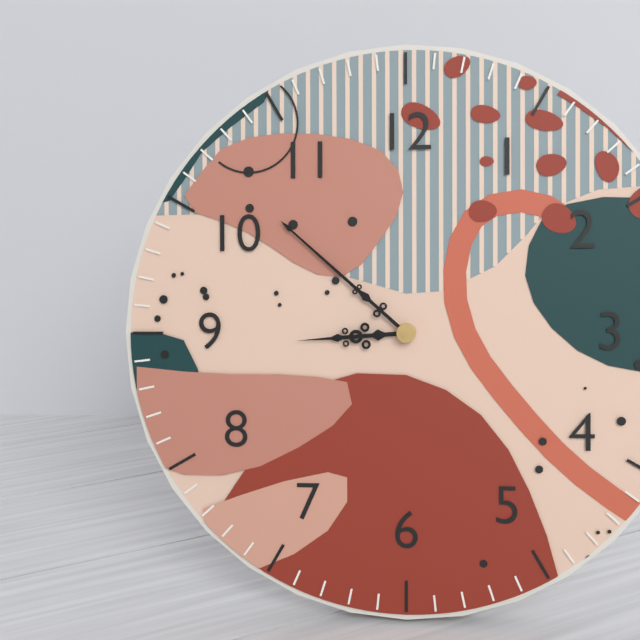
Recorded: 8h52
